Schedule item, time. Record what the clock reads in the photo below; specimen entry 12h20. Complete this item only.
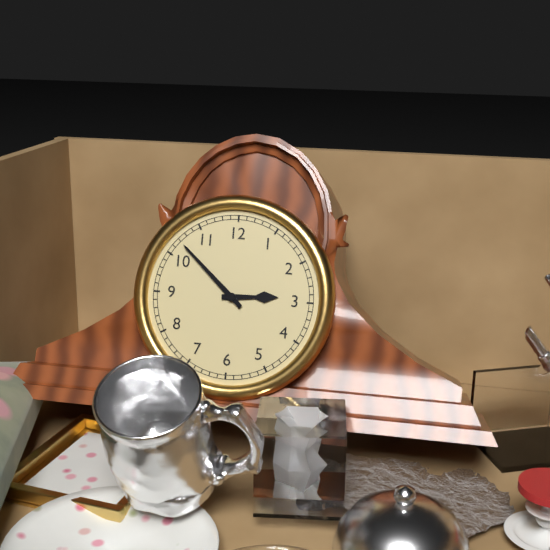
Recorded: 2h52
